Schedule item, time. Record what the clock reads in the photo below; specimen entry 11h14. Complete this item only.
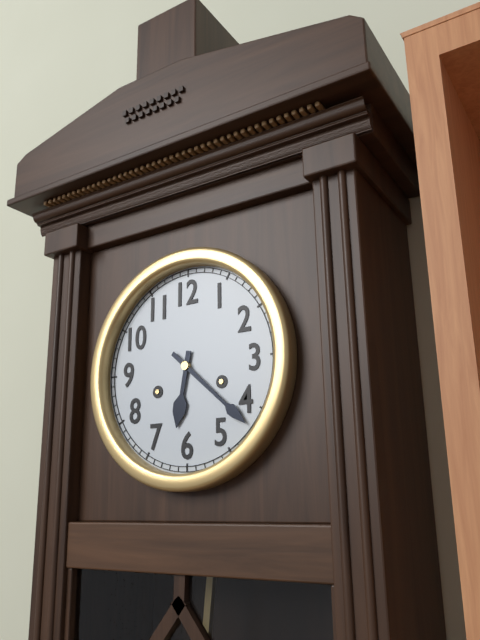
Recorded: 6h22
